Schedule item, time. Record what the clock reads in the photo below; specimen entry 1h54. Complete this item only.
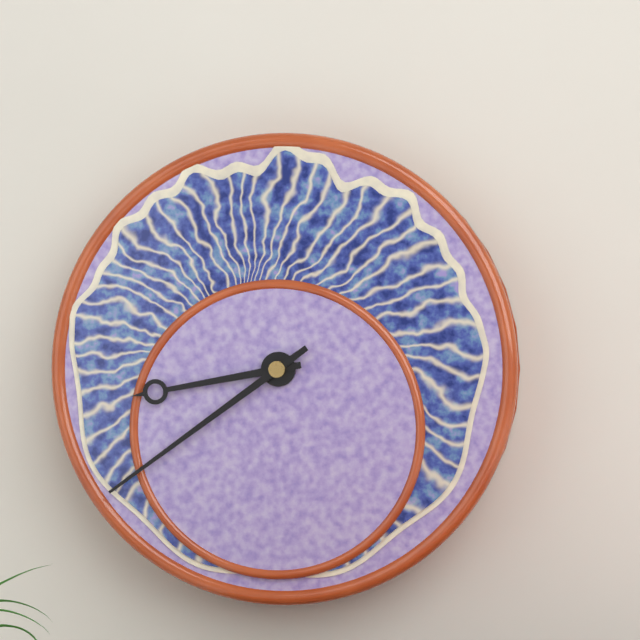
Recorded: 8h39
